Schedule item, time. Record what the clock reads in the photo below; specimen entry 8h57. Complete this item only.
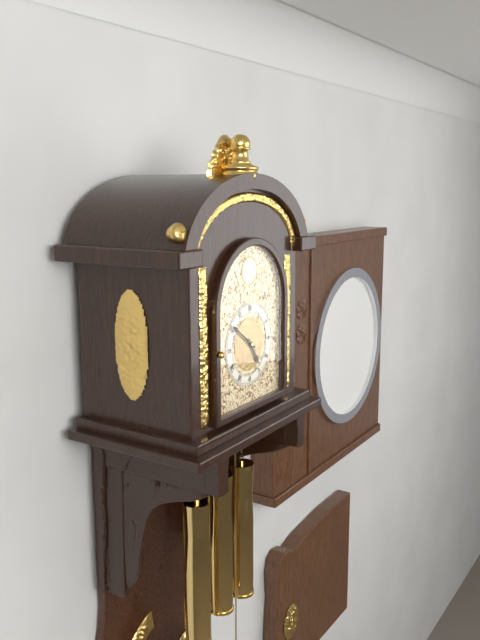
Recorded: 4h51
